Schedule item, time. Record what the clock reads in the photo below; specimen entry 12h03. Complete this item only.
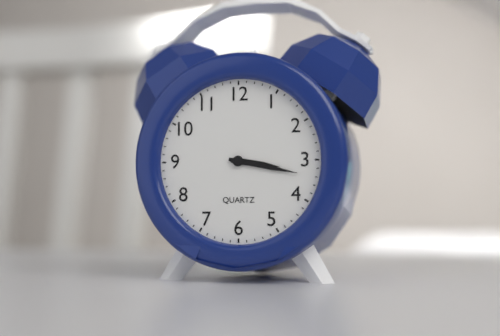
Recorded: 3h17
